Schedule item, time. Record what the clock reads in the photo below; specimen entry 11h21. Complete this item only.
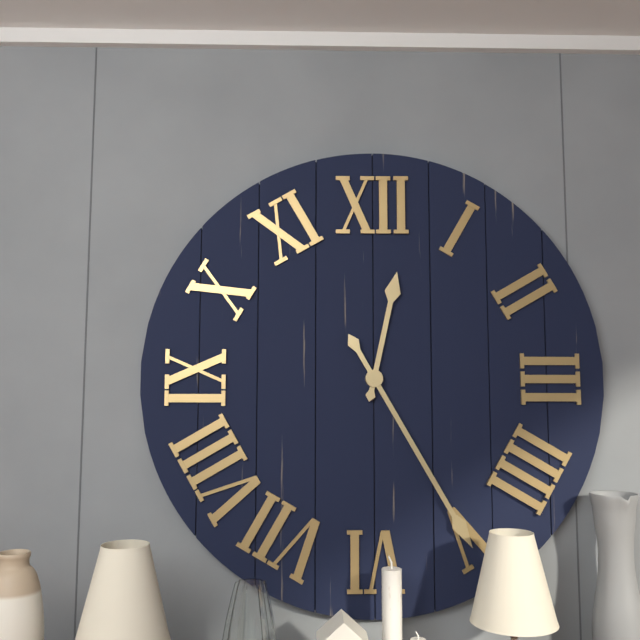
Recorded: 12h25
